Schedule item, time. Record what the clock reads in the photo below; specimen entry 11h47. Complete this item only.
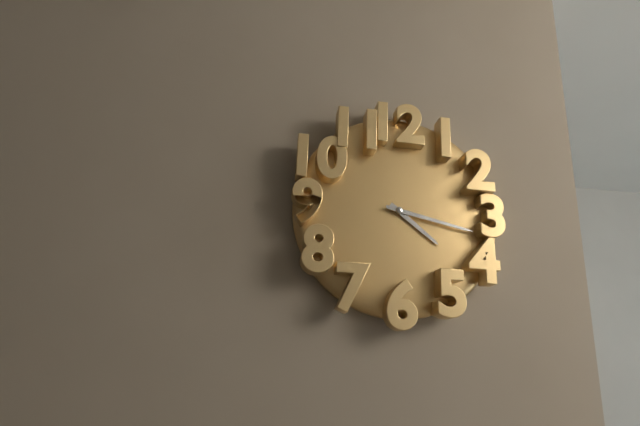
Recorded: 4h17
